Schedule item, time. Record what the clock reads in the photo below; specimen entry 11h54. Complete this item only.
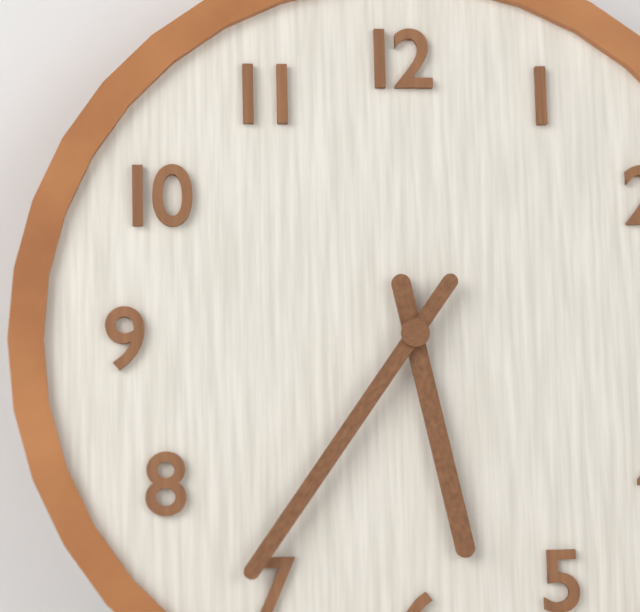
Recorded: 5h36
